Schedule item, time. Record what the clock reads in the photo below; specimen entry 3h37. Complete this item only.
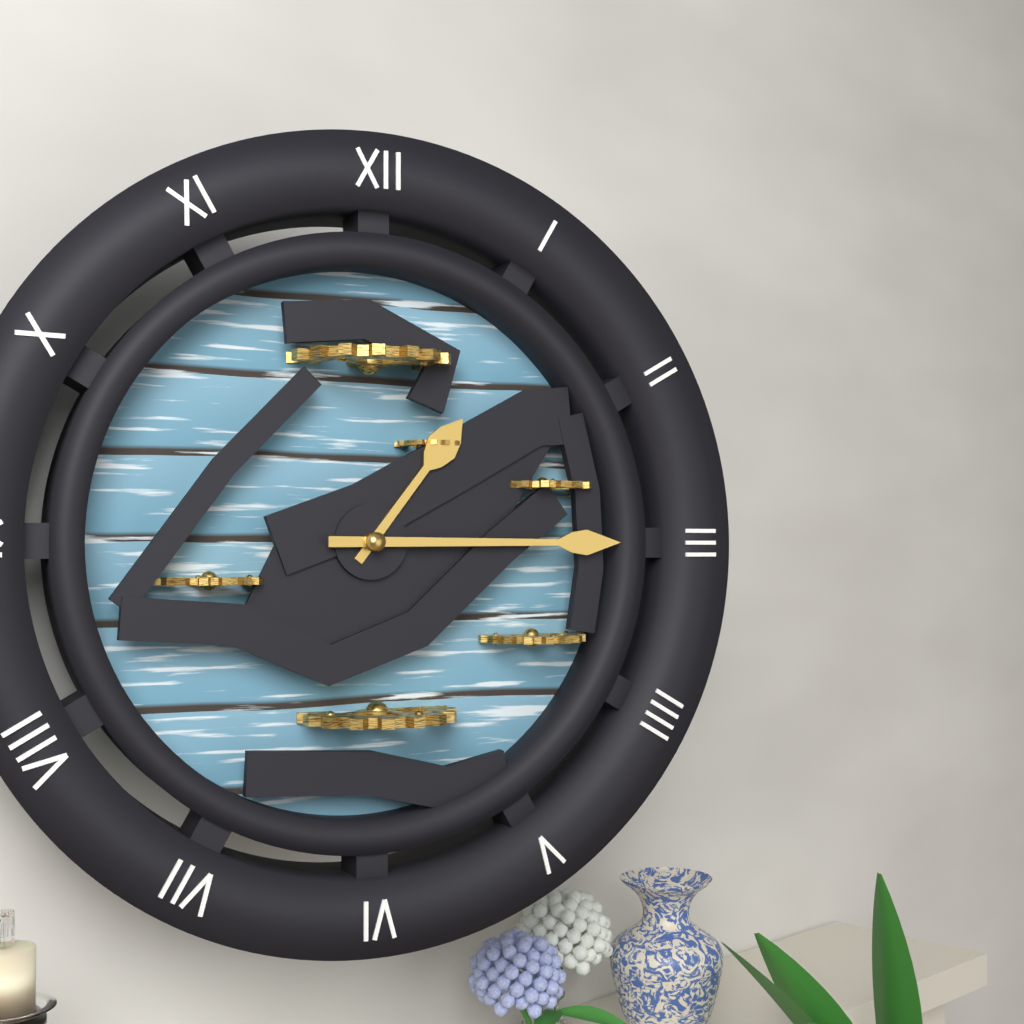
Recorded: 1h15
